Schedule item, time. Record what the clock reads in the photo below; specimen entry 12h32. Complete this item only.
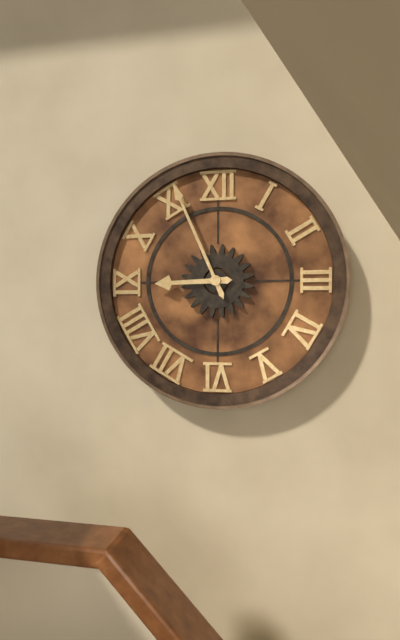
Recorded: 8h56
